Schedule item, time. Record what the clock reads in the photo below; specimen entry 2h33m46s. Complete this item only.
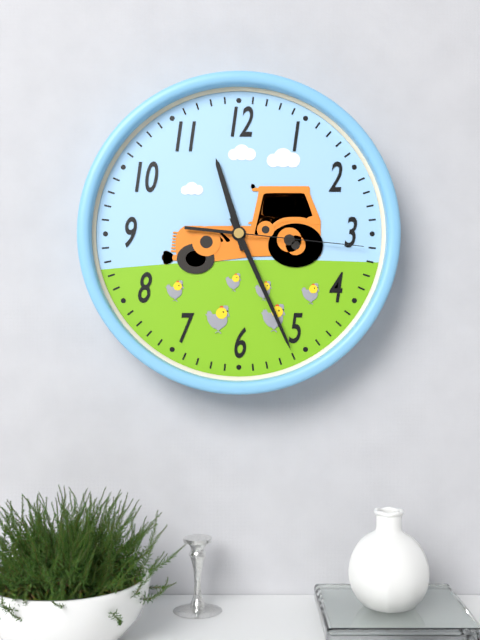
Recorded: 11h26m16s
